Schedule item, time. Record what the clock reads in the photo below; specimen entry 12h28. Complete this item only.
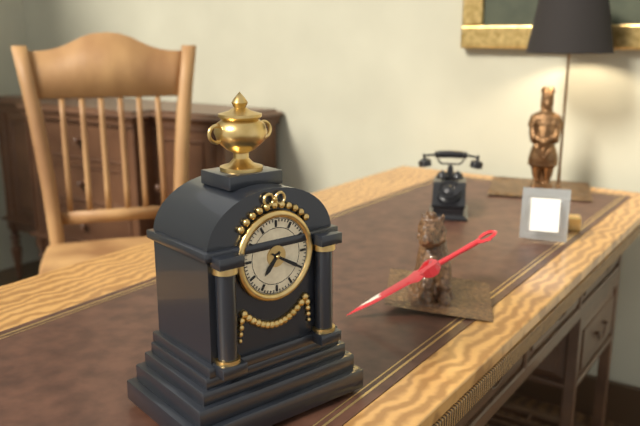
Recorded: 7h20
